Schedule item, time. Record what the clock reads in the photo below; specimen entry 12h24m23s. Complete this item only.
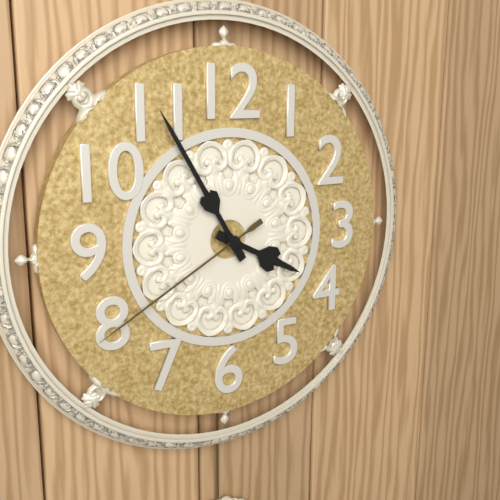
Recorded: 3h55m40s
